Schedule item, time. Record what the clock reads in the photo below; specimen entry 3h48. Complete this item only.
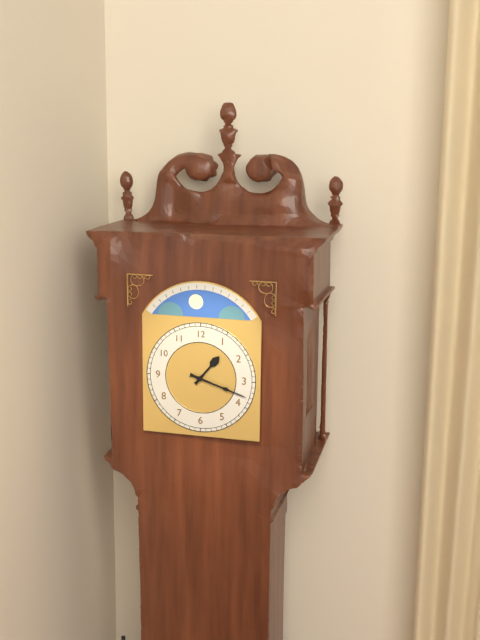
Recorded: 1h18
